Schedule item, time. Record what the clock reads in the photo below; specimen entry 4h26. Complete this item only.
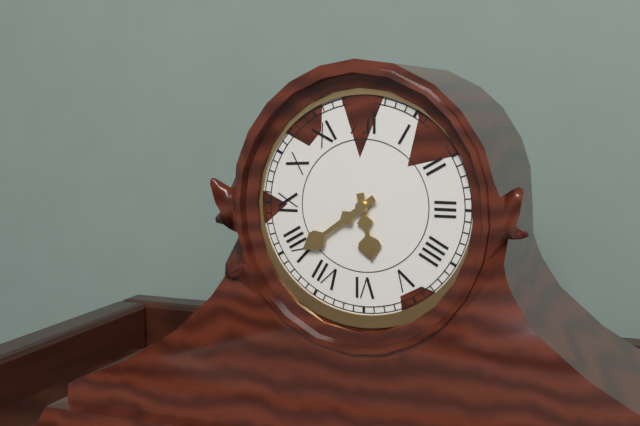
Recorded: 5h39
